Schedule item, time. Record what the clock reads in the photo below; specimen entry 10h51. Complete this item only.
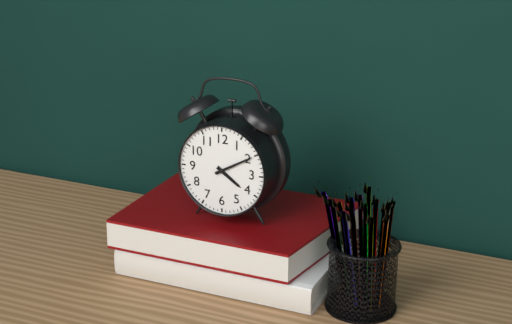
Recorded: 4h10
